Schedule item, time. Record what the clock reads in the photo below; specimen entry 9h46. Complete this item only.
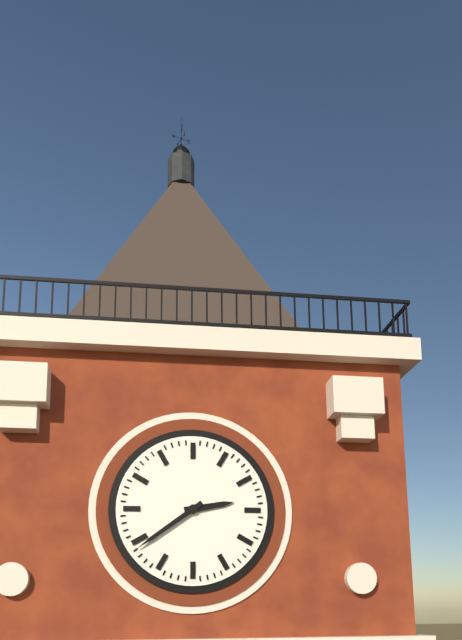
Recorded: 2h39
